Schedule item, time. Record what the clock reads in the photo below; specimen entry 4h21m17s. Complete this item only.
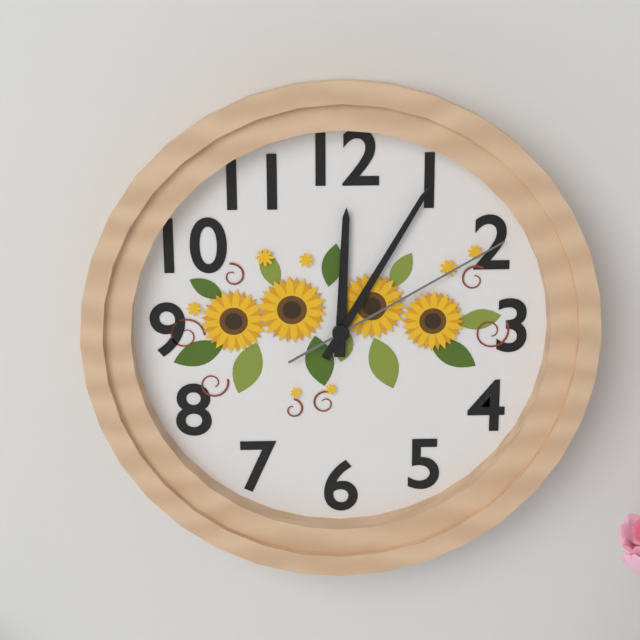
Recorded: 12h05m10s
